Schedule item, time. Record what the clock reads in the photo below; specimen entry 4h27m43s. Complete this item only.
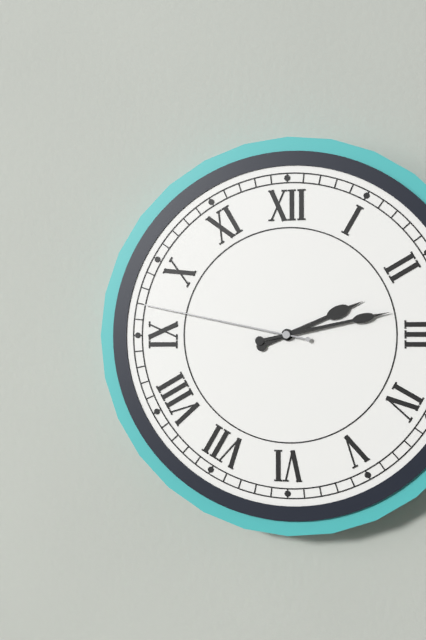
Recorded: 2h13m47s
